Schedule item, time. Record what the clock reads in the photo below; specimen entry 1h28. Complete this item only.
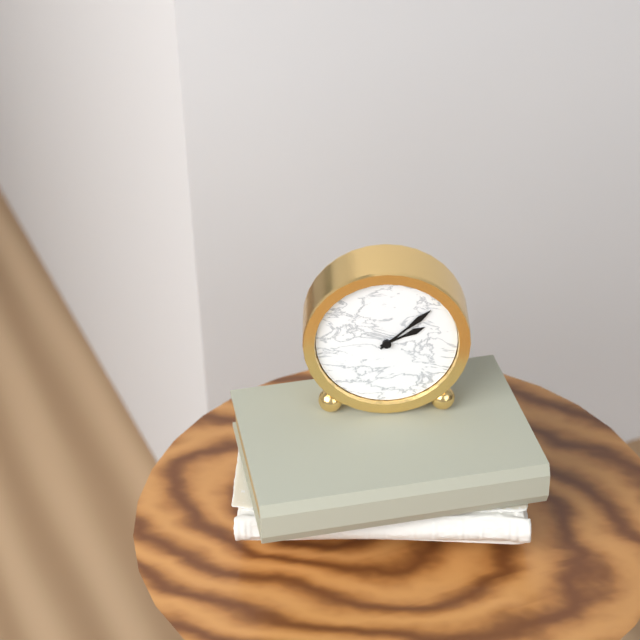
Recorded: 2h08
